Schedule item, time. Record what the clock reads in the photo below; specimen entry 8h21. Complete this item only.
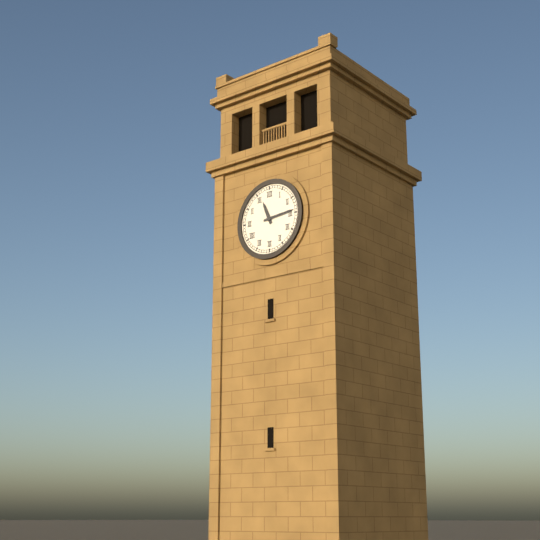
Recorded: 11h14
